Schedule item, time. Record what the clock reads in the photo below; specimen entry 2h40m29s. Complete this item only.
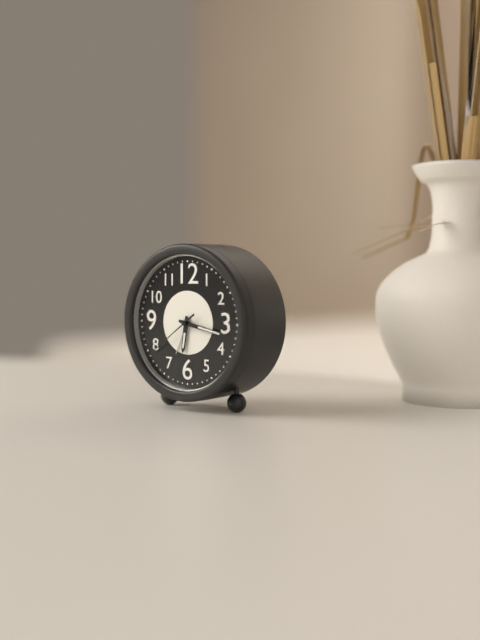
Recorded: 6h17m39s
